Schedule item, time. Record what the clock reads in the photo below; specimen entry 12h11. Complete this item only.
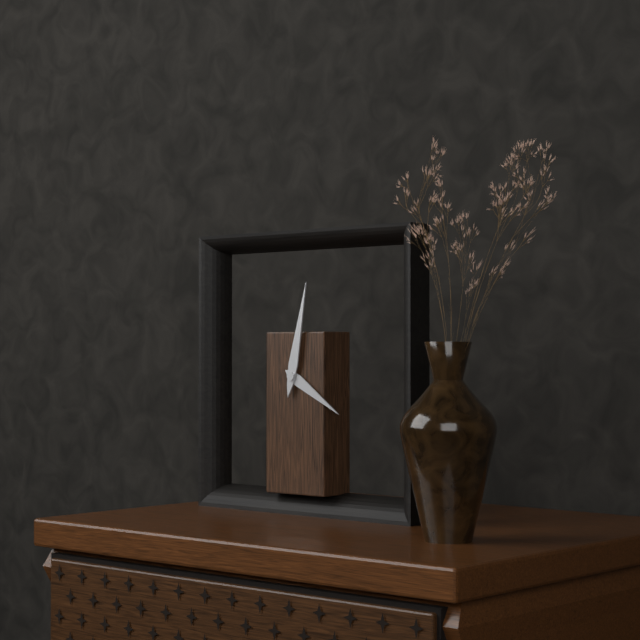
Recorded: 4h02
